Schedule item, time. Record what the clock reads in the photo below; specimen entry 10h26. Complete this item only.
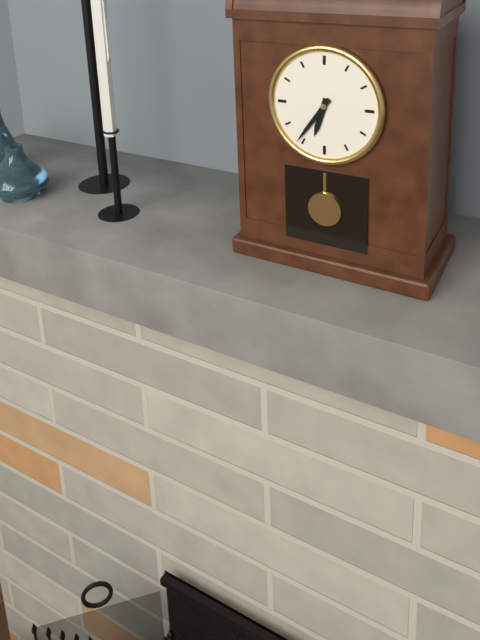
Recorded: 6h36
